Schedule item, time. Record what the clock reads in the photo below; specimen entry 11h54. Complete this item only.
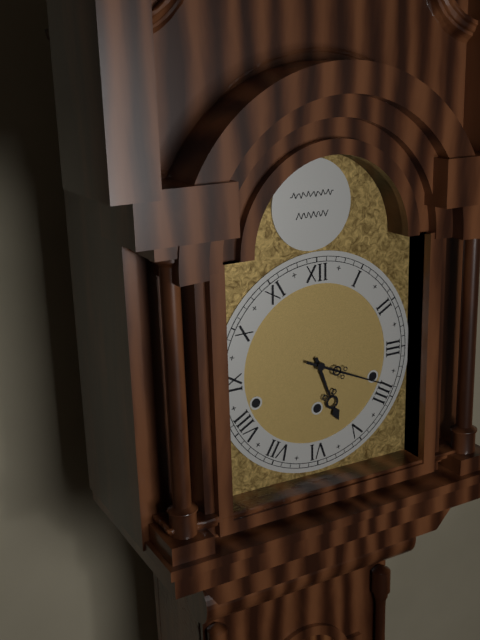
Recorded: 5h19
